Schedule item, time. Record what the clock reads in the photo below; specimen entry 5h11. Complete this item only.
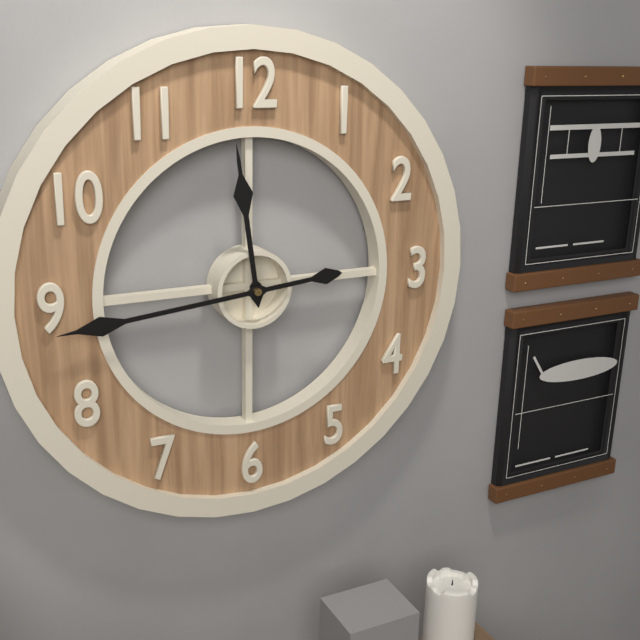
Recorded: 11h44
